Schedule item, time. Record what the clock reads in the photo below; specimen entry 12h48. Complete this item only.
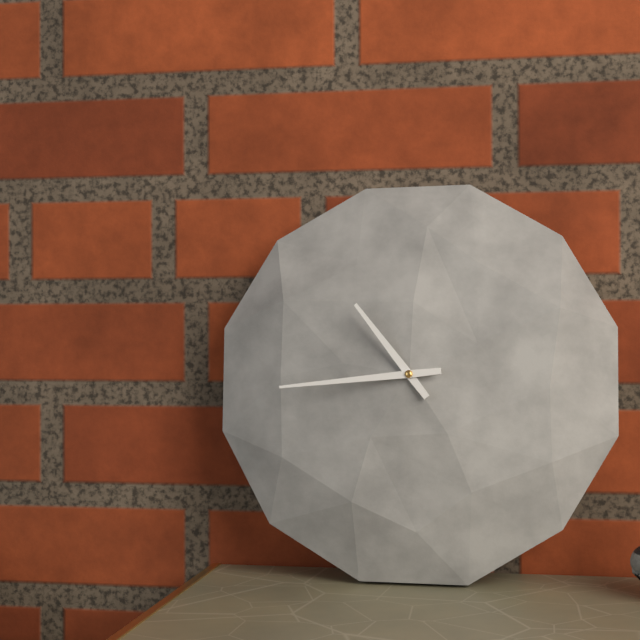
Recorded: 10h44
